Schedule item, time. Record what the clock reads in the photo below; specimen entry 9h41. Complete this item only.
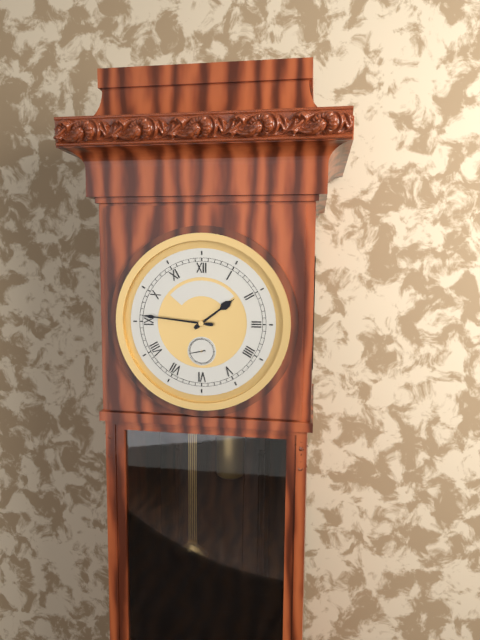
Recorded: 1h46
